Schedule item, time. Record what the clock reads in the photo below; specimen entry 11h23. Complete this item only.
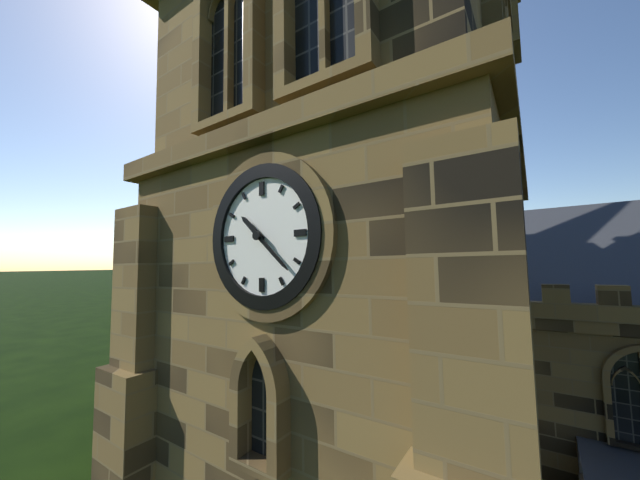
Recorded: 10h22
